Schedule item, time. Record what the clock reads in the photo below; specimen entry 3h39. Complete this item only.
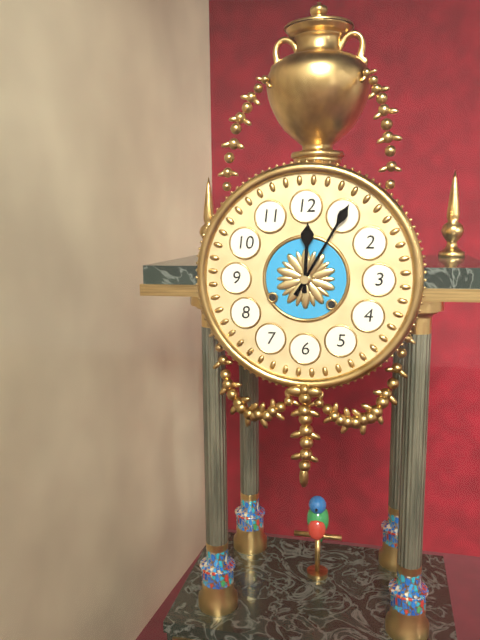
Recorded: 12h05
